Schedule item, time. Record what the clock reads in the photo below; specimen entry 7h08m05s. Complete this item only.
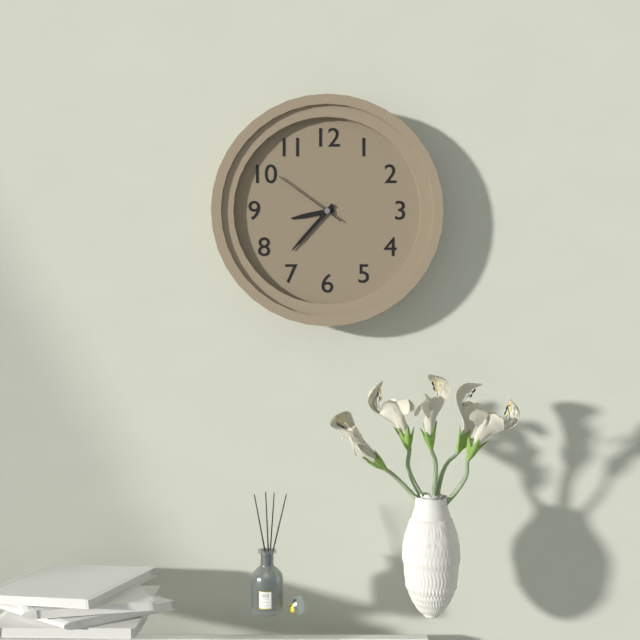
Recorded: 8h37m51s
